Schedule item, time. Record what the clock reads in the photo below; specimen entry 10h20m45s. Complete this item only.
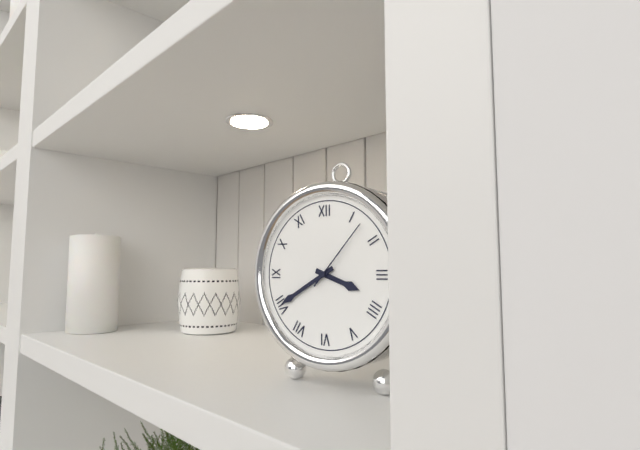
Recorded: 3h40m07s
